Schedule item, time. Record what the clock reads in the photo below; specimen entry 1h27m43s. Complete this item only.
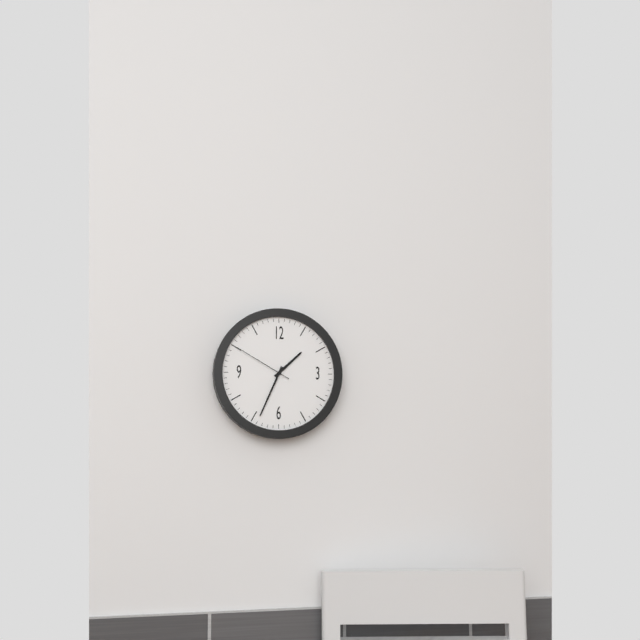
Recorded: 1h34m50s
